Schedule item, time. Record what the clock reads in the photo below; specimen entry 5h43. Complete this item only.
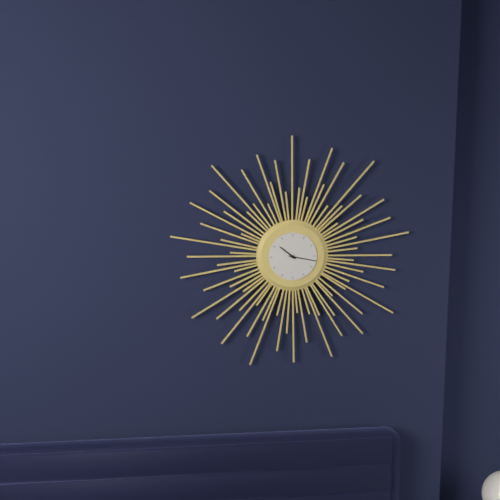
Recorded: 10h17
